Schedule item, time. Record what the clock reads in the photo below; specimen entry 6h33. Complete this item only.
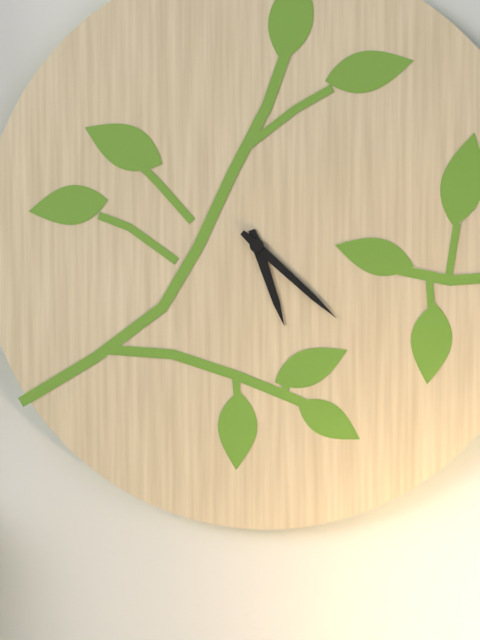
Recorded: 5h22
